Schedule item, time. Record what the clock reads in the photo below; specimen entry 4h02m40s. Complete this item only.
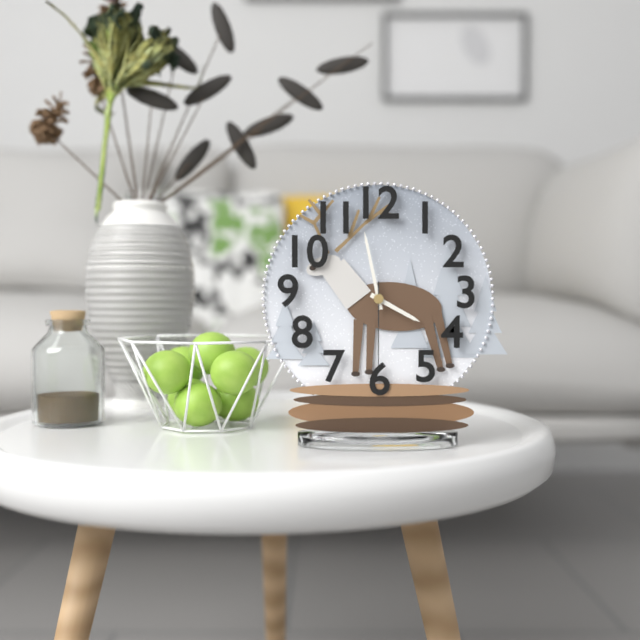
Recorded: 3h58m30s
